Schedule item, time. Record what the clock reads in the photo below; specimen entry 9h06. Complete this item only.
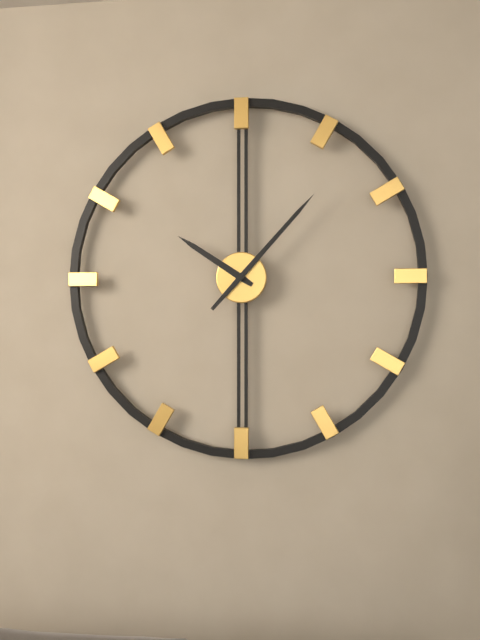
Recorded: 10h07
